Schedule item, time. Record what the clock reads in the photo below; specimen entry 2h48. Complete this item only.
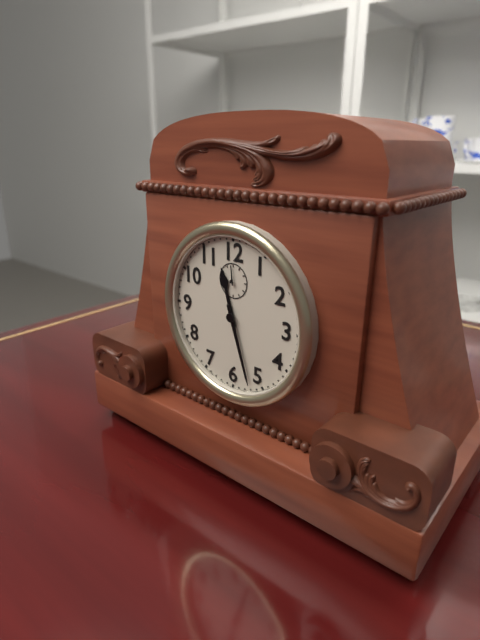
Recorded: 11h27
